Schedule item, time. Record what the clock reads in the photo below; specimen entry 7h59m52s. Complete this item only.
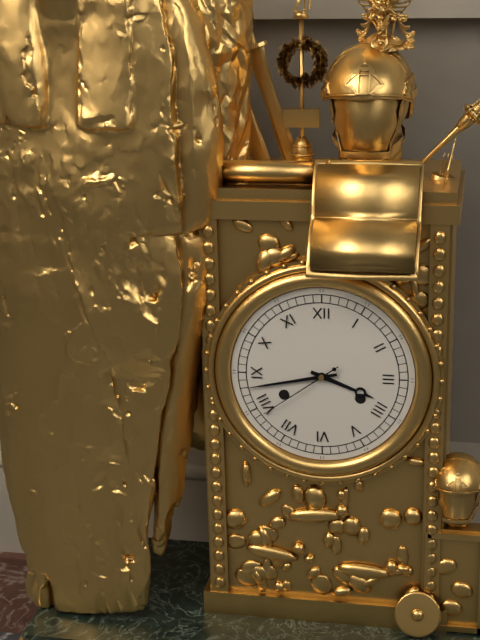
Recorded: 3h43m39s
